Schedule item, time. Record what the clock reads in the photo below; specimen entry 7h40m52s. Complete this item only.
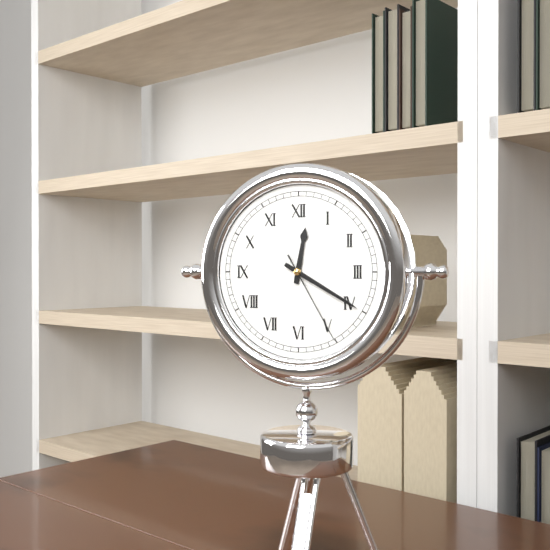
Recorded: 12h20m25s
